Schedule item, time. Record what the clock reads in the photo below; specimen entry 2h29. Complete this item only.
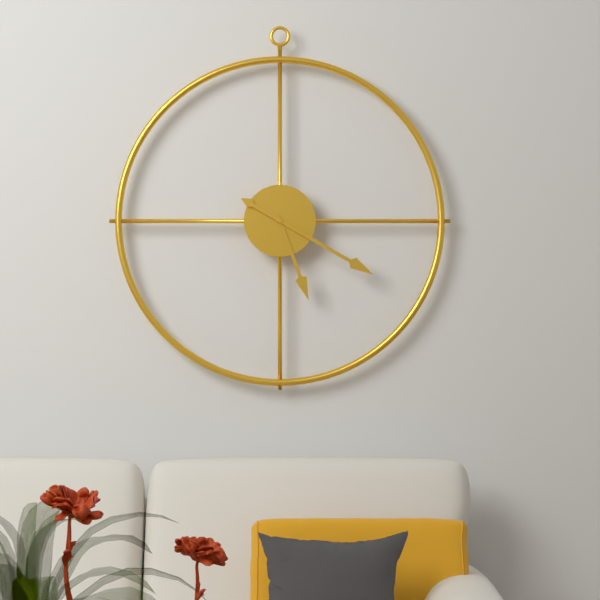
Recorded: 5h20
